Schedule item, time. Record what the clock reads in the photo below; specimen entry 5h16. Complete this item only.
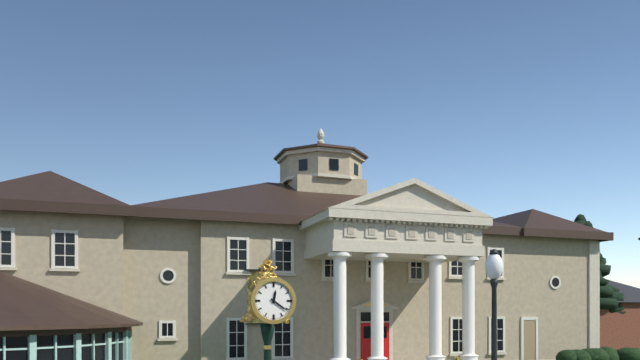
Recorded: 12h21
